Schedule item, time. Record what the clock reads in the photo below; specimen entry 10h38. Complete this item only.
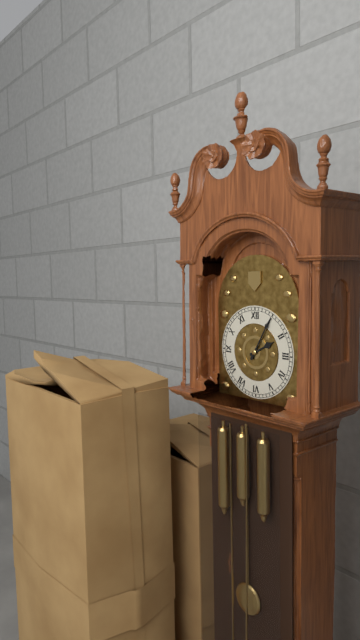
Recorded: 2h05
